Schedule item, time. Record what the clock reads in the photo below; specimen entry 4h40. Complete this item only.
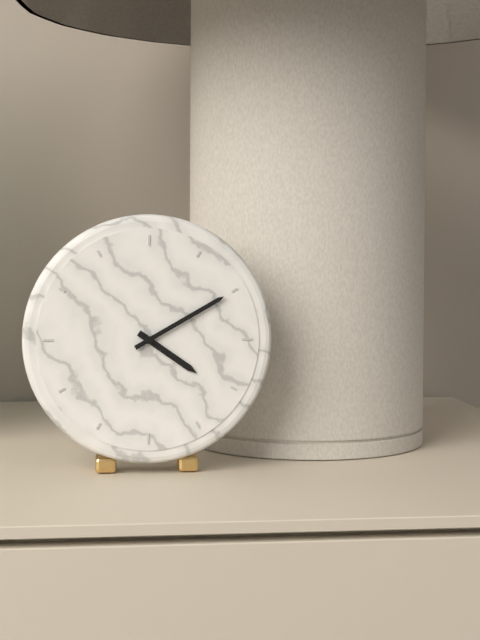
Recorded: 4h10
